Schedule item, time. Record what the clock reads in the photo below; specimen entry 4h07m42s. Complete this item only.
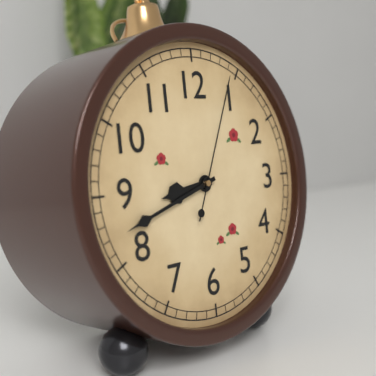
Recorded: 8h42m04s
